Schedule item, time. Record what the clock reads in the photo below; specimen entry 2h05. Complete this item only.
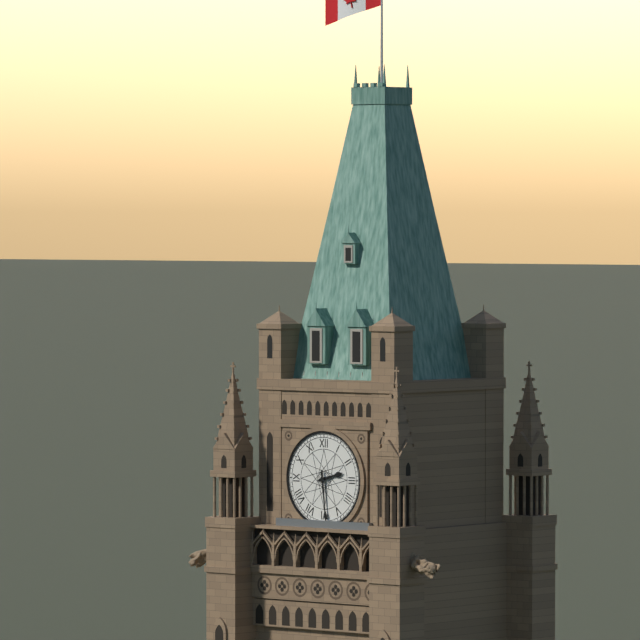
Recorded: 2h29
